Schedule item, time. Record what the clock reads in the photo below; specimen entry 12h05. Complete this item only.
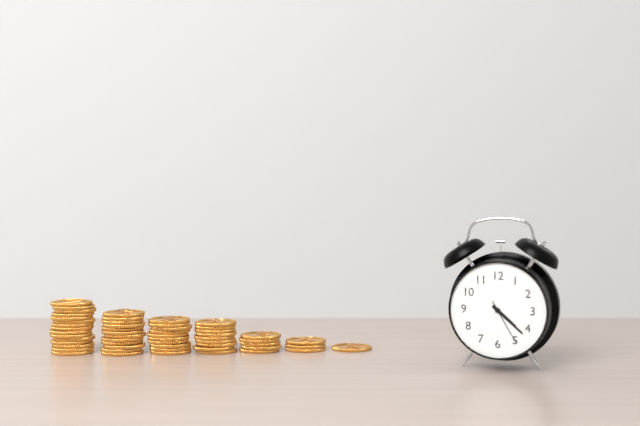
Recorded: 4h22
